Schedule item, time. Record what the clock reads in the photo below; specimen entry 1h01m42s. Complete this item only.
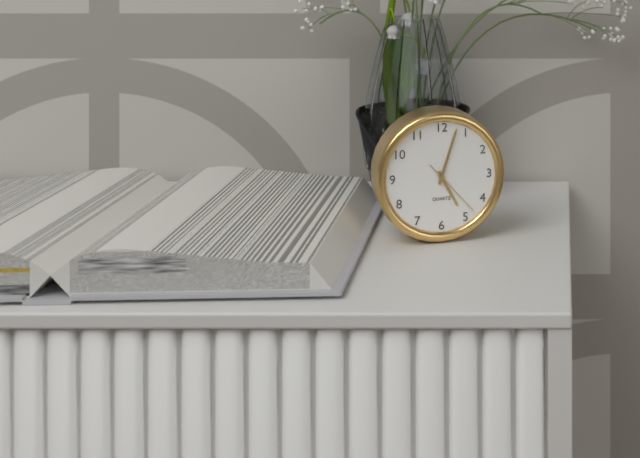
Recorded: 5h03m23s
